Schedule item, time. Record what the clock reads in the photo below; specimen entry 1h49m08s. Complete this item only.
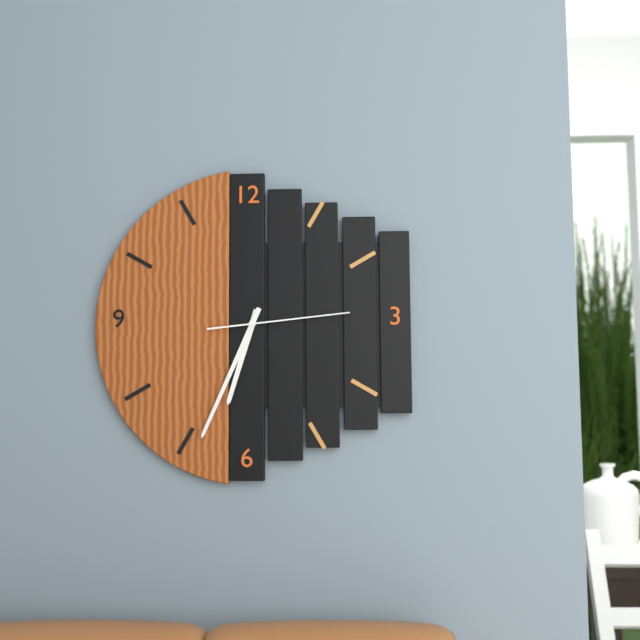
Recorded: 6h34m14s
